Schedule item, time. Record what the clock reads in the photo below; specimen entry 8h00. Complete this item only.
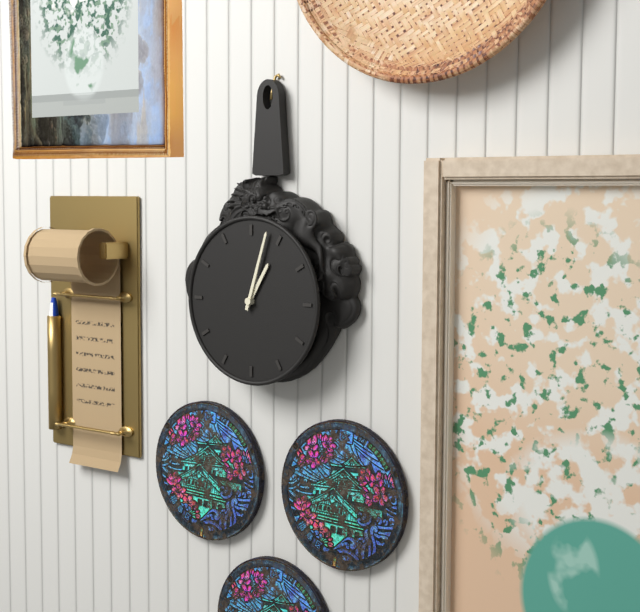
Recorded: 1h03
